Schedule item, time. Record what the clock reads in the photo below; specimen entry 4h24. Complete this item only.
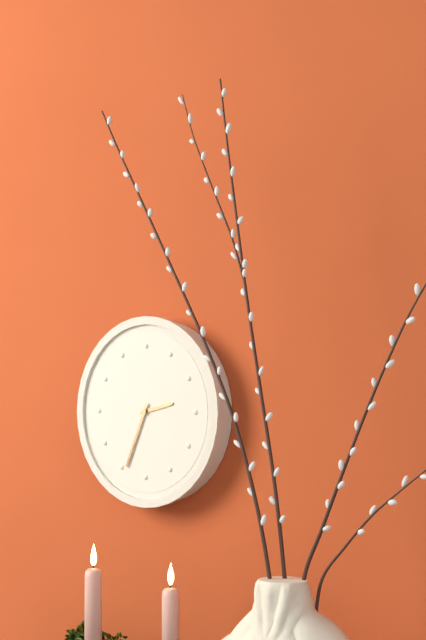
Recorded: 2h34
